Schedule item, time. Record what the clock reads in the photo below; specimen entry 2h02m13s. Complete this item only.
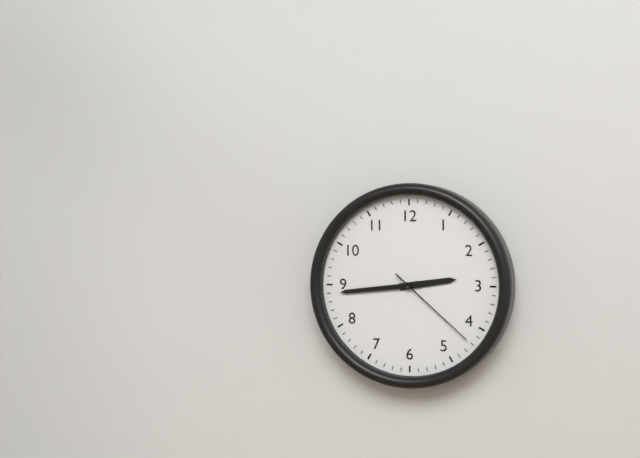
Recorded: 2h44m22s
